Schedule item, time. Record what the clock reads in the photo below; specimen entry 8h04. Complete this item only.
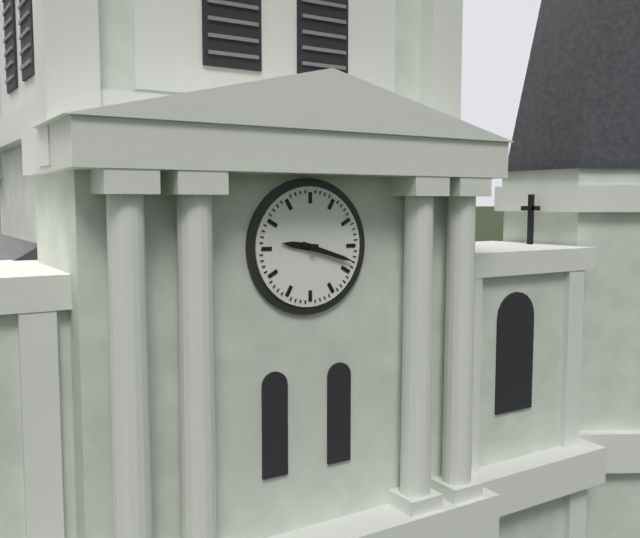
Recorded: 9h18
